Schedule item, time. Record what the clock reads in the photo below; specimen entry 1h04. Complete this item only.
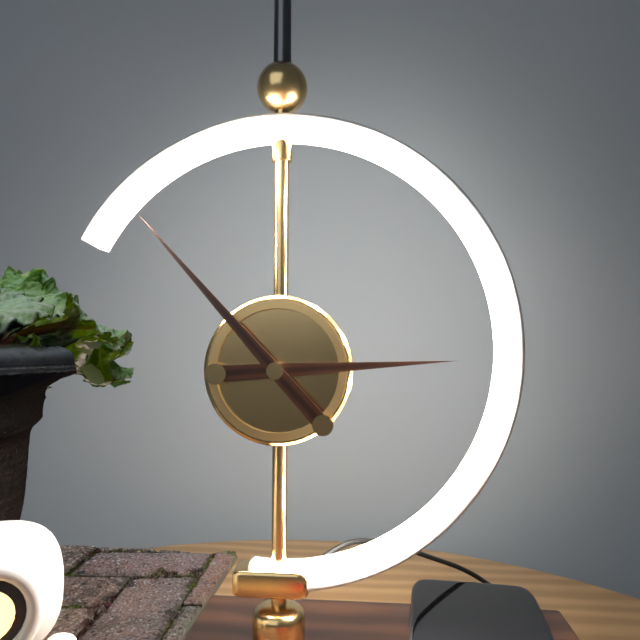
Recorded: 2h53
